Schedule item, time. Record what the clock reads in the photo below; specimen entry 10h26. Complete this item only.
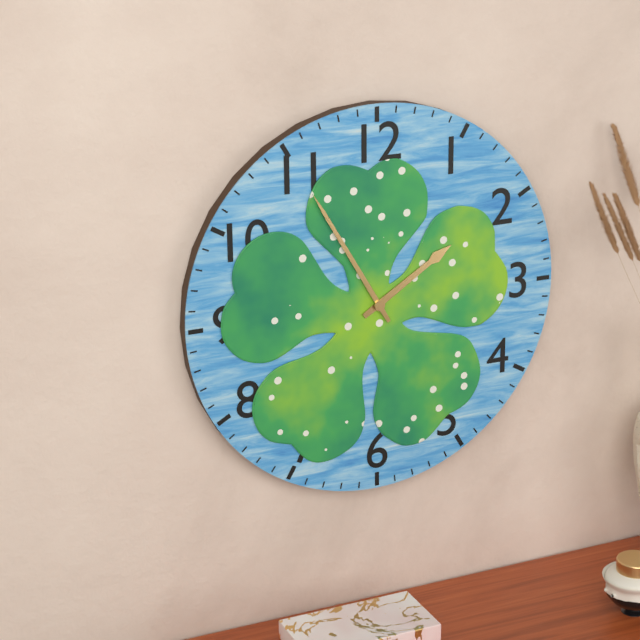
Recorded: 1h55
